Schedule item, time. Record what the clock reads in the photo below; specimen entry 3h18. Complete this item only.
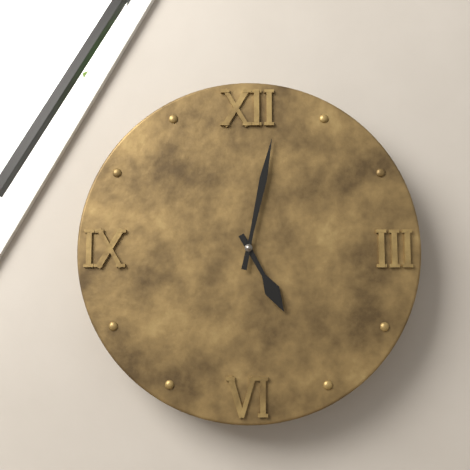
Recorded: 5h02
